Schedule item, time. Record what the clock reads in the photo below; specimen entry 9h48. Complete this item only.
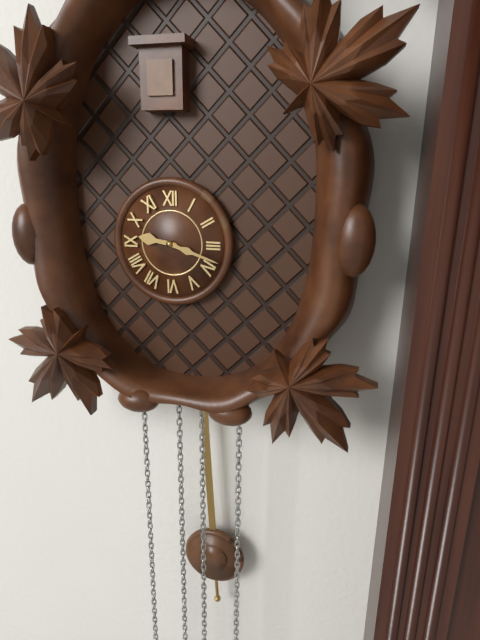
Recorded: 9h18
